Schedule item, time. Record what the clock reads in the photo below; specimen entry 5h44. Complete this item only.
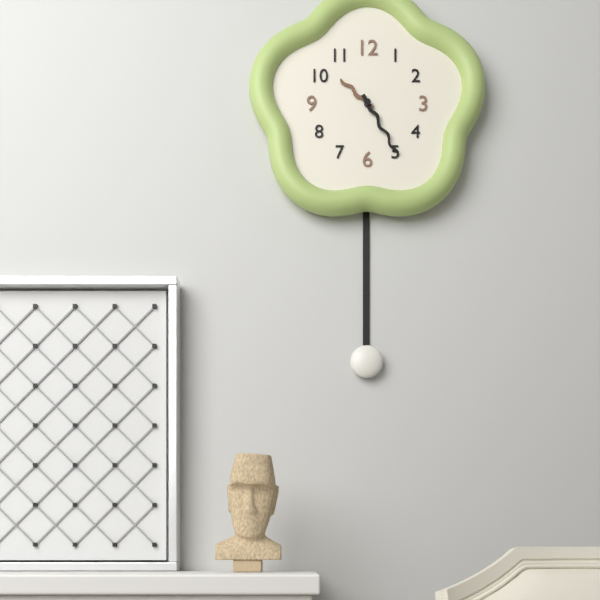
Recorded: 10h25
